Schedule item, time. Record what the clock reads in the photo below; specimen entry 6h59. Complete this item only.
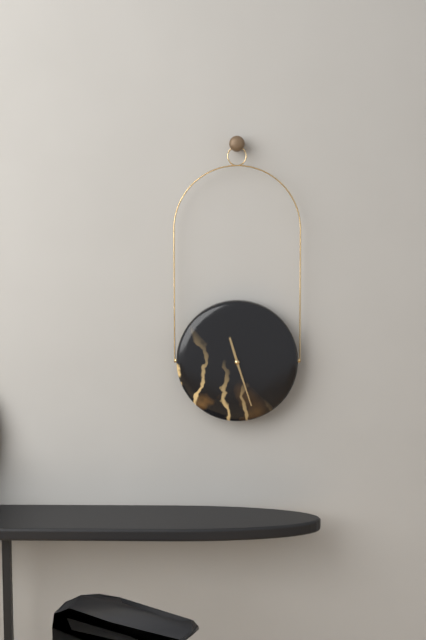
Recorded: 11h27
